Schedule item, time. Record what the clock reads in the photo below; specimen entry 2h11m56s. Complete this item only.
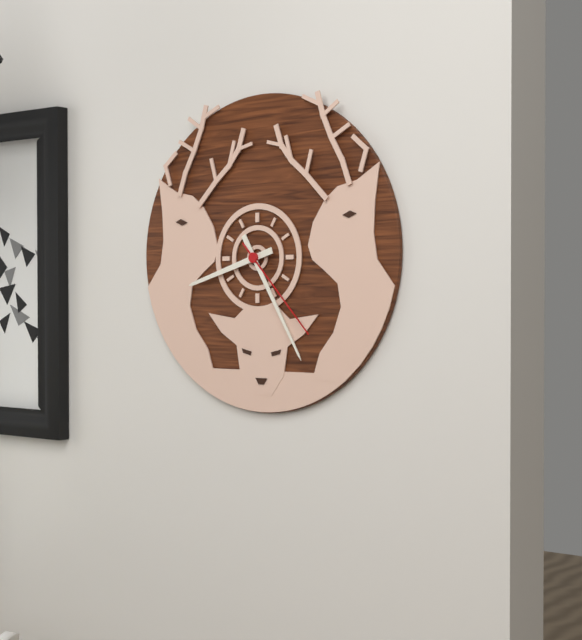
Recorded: 8h25m23s
